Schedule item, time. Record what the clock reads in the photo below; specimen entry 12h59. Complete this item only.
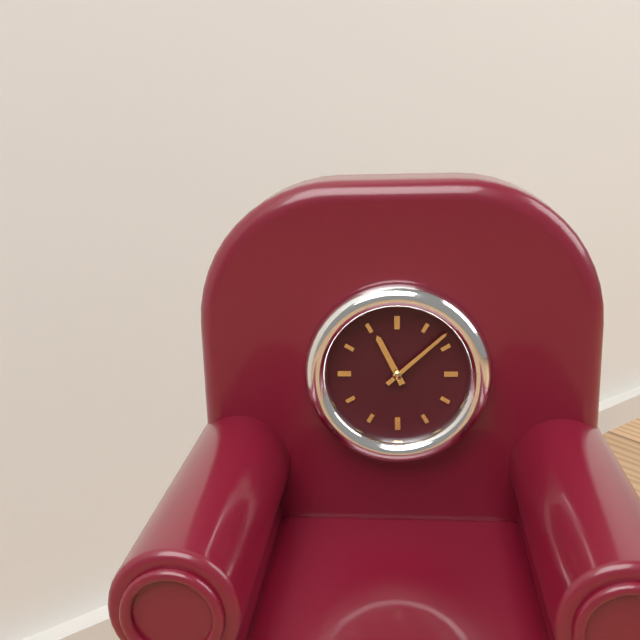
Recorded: 11h08
